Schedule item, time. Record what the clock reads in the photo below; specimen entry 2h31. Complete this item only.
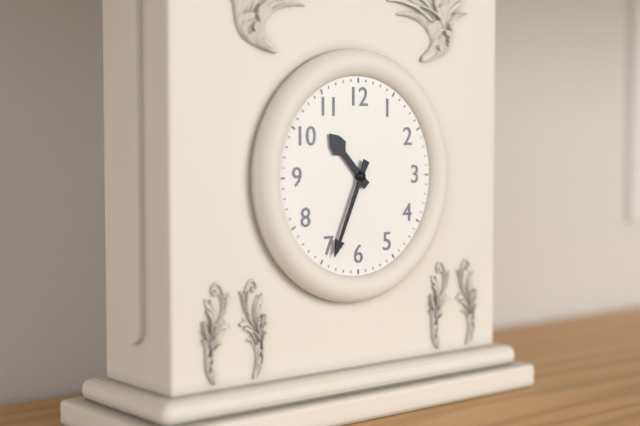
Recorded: 10h34
